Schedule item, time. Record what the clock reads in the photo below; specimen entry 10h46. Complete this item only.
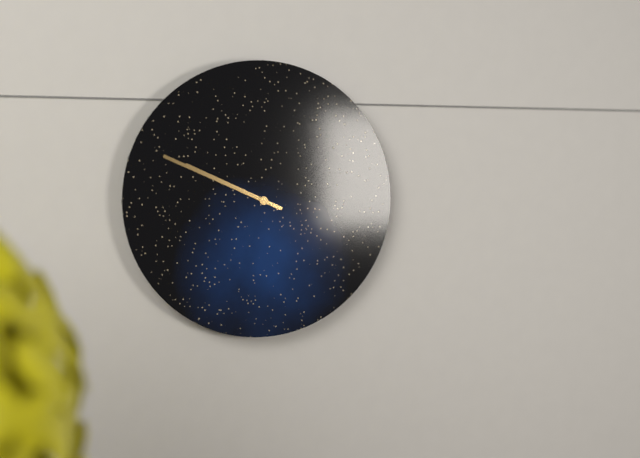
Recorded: 9h49
